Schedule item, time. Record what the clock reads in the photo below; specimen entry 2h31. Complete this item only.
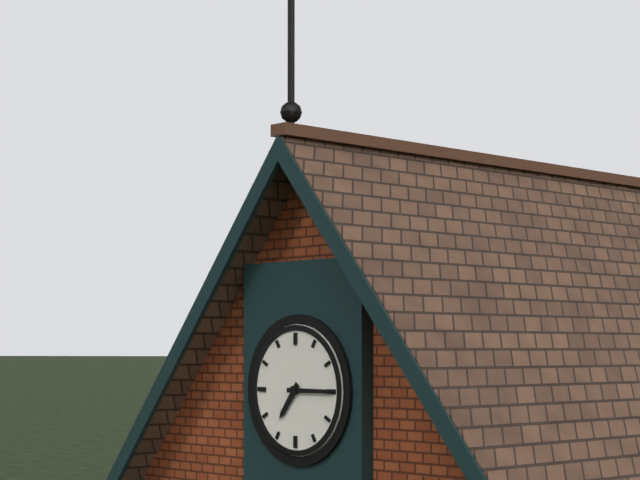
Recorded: 7h15
